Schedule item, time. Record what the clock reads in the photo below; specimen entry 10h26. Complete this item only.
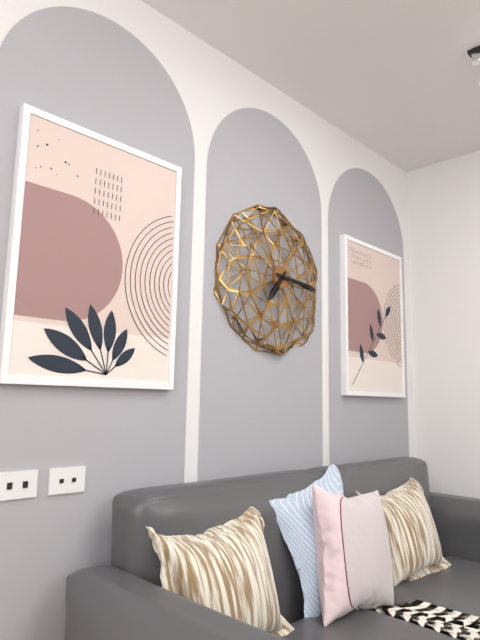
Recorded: 7h16
